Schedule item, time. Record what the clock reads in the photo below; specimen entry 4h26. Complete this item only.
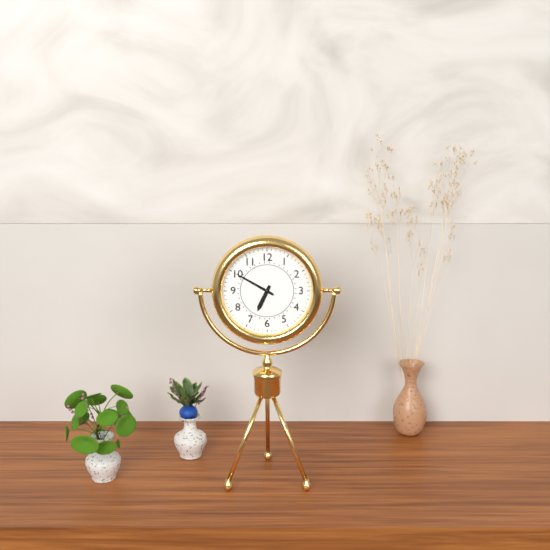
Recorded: 6h50
